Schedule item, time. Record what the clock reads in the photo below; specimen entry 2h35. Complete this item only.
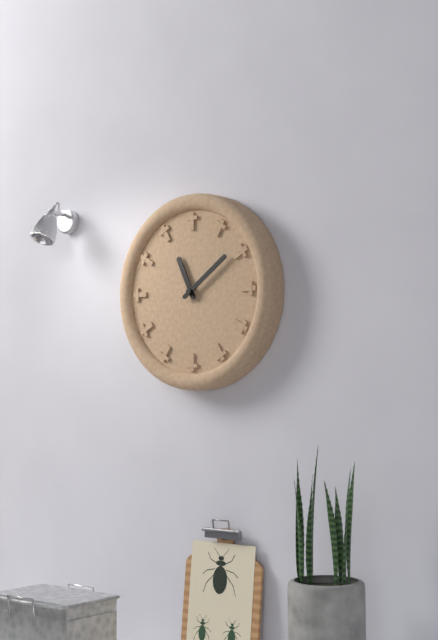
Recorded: 11h09
